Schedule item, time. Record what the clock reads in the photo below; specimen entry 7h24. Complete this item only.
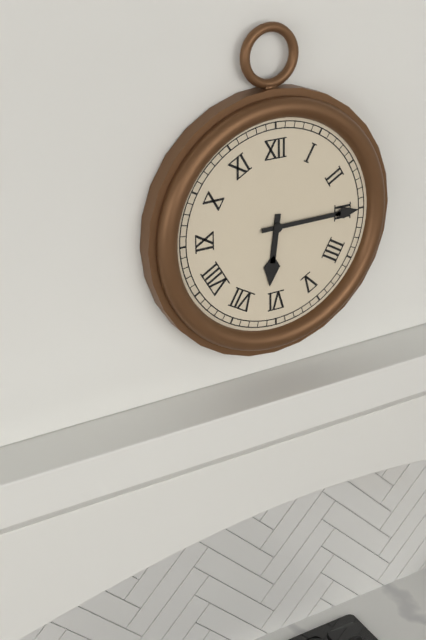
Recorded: 6h15
